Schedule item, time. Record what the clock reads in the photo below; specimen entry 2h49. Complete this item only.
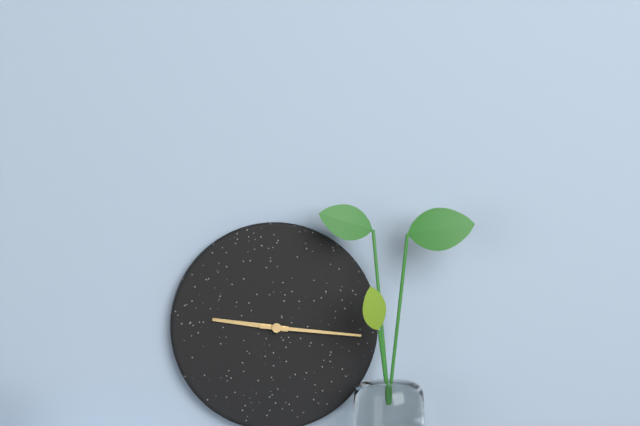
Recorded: 9h16
